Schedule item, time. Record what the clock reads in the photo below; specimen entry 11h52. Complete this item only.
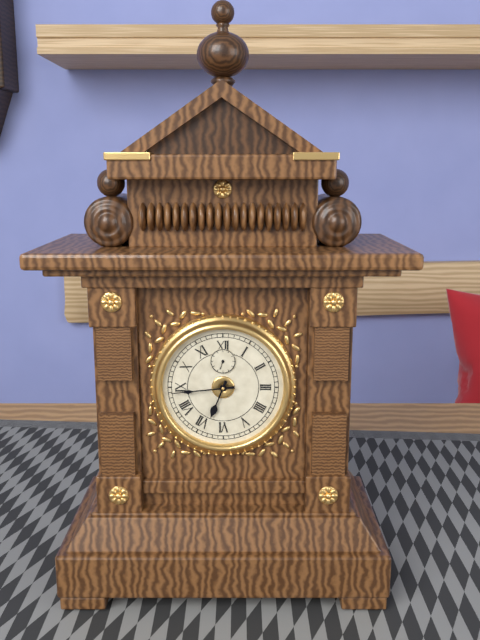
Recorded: 6h44
